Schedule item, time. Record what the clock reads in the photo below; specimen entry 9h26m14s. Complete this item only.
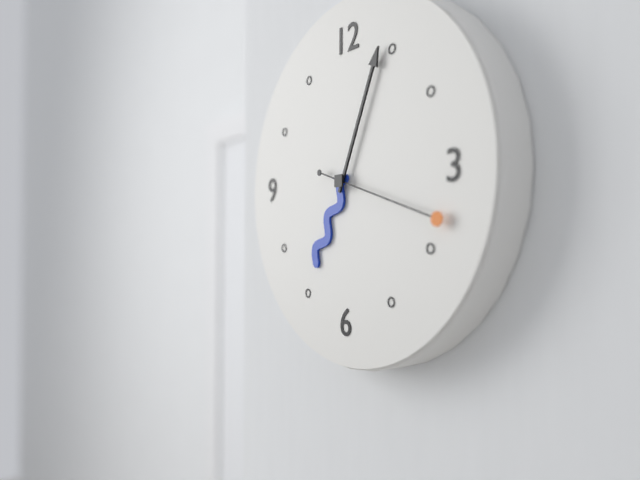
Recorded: 7h04m18s
